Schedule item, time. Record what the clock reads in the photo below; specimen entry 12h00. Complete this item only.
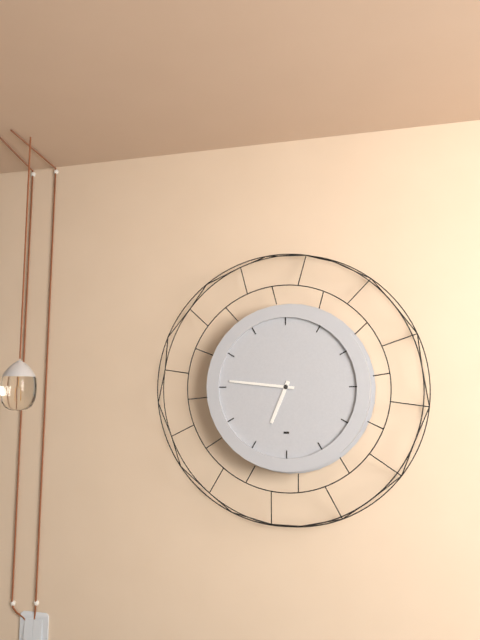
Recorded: 6h46
